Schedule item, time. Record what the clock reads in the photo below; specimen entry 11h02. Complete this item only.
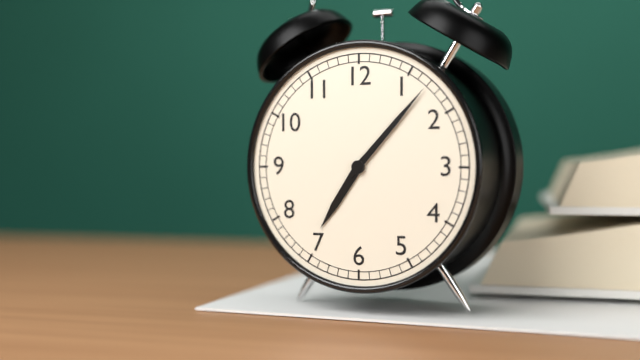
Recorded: 7h07
